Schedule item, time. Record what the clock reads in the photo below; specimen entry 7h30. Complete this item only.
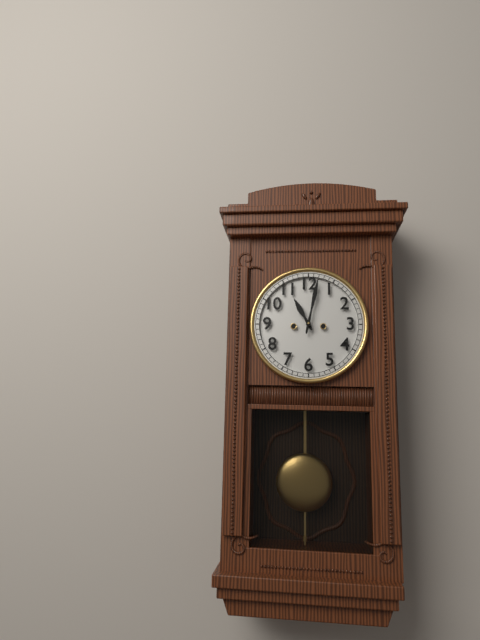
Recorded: 11h02
